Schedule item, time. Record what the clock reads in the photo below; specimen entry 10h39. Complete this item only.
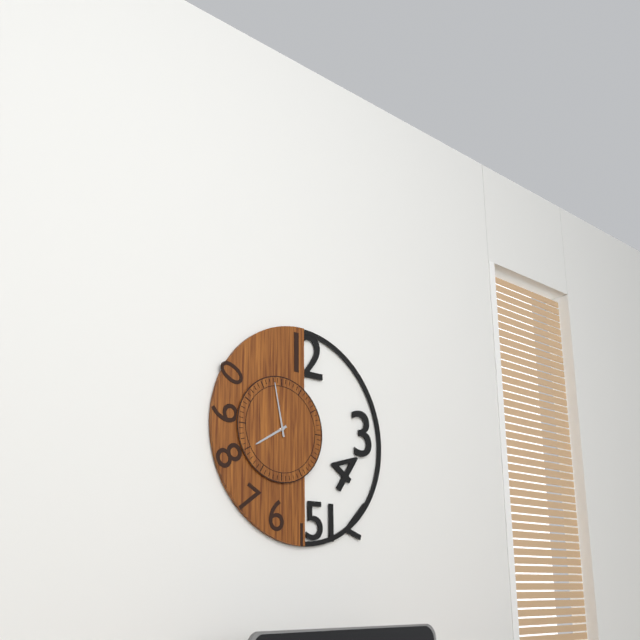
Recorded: 7h58
